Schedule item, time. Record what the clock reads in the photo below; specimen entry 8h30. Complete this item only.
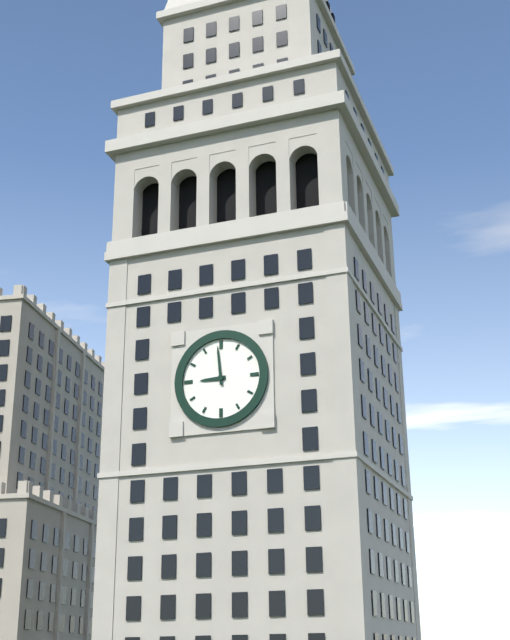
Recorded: 8h59
